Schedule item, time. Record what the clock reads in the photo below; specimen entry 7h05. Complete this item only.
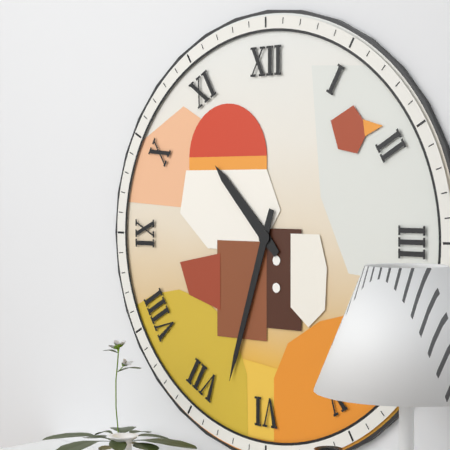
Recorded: 10h33
